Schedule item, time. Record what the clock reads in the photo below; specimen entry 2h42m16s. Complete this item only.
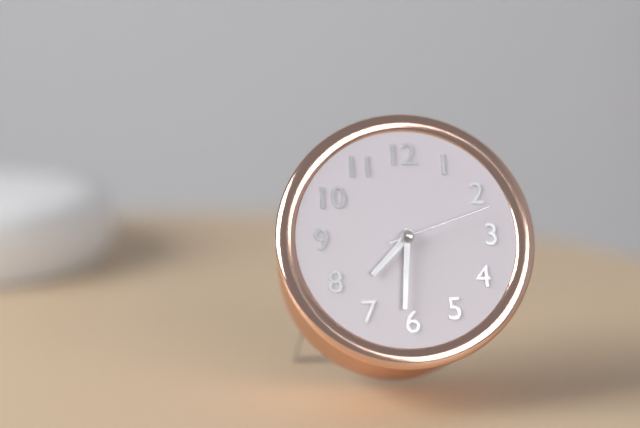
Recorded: 7h31m12s
